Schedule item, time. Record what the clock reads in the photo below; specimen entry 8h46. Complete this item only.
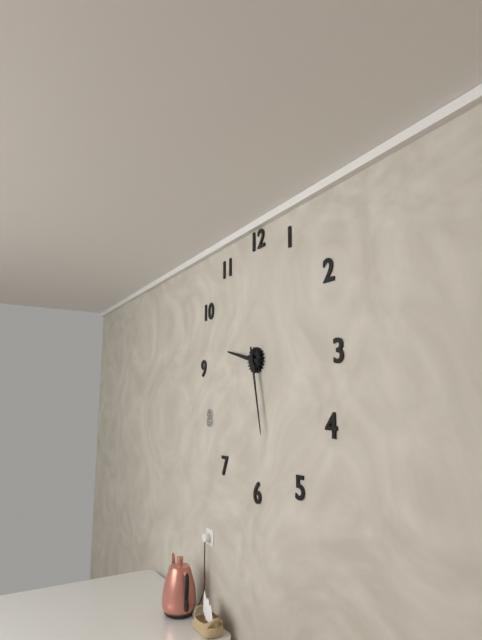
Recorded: 9h28
